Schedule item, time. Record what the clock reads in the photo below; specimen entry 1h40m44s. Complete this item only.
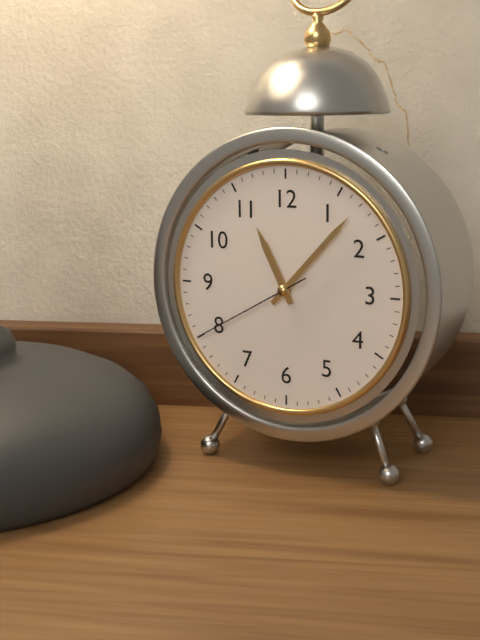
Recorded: 11h07m40s
